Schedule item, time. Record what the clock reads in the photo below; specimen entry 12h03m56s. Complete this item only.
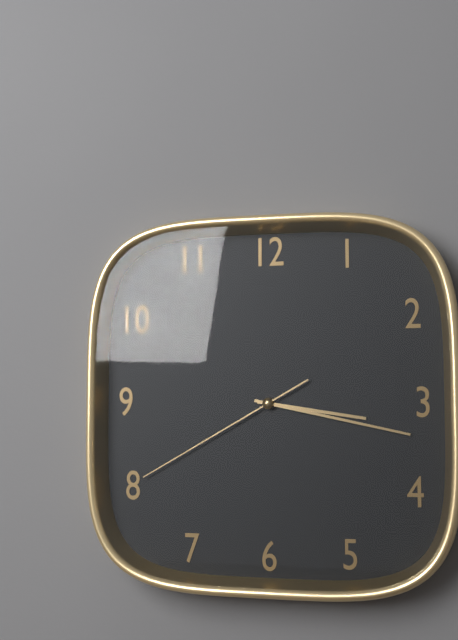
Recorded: 3h17m40s
